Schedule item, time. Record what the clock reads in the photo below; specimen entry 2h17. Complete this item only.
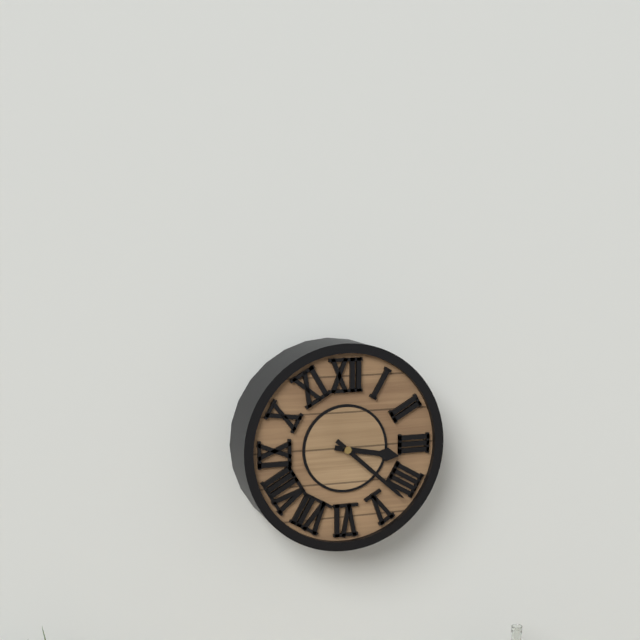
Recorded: 3h22
